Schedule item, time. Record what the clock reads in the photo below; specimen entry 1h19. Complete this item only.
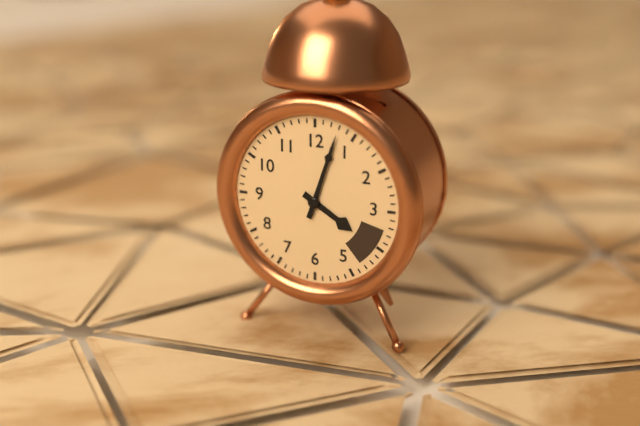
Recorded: 4h03
